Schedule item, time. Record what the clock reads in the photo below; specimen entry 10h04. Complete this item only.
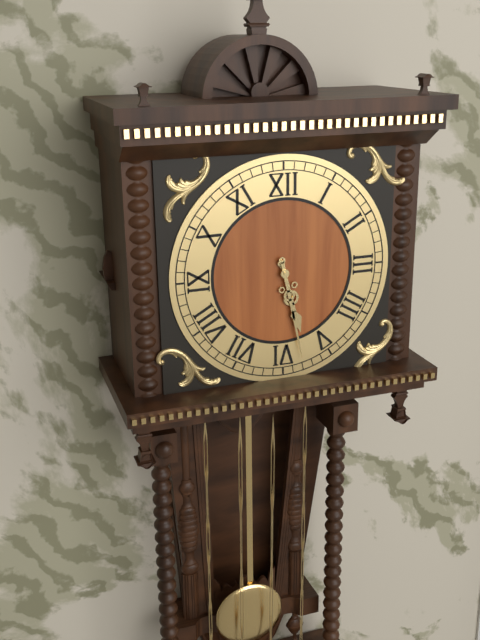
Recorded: 5h28
